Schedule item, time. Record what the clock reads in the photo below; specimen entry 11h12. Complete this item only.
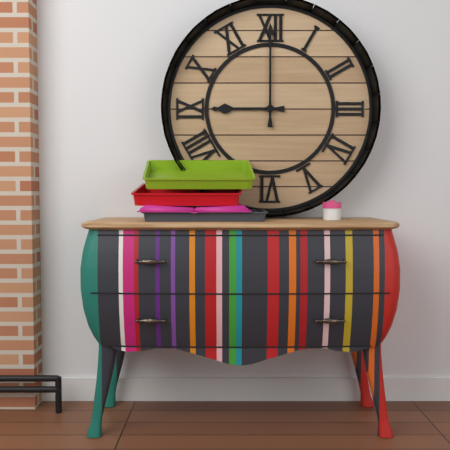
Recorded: 9h00
